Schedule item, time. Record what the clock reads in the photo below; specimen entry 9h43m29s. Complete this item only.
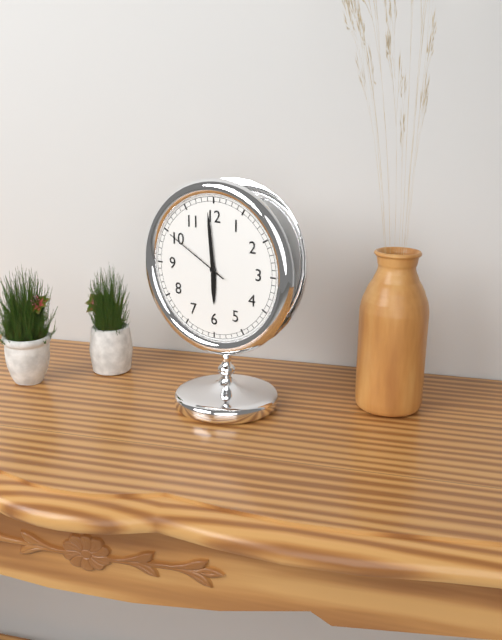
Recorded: 5h59m50s
